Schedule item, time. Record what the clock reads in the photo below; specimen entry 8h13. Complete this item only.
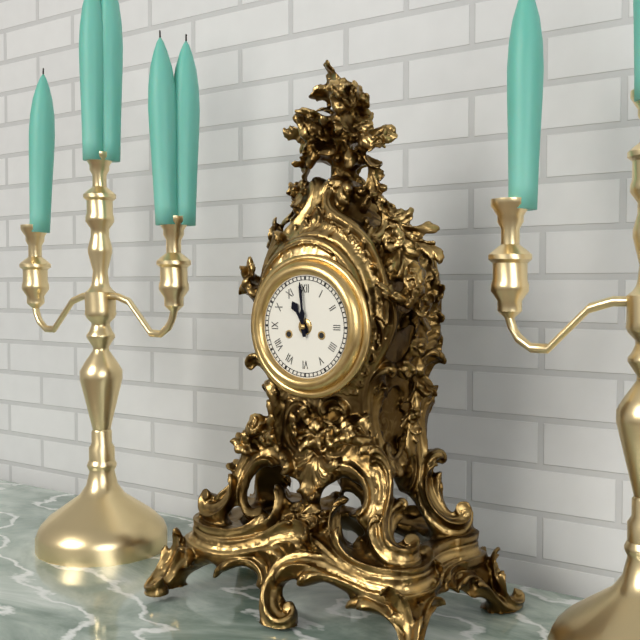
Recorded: 10h59
